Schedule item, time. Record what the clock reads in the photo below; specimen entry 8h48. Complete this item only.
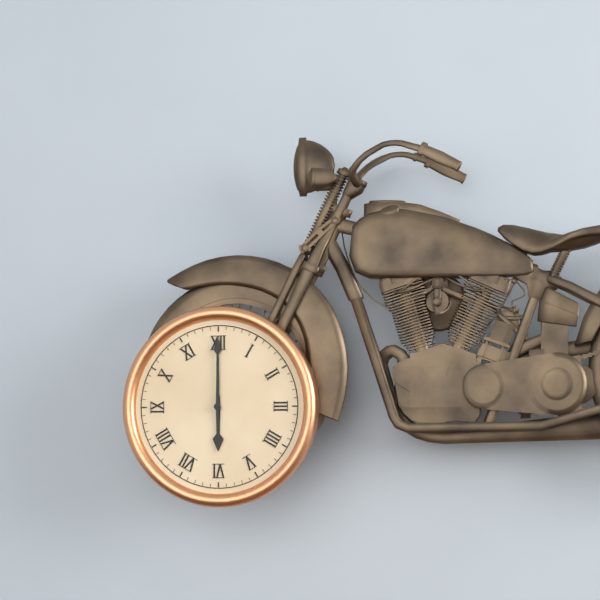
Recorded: 6h00
